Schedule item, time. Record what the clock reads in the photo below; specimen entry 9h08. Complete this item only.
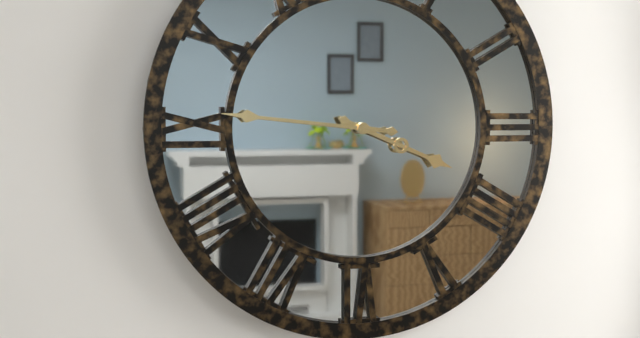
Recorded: 3h46
